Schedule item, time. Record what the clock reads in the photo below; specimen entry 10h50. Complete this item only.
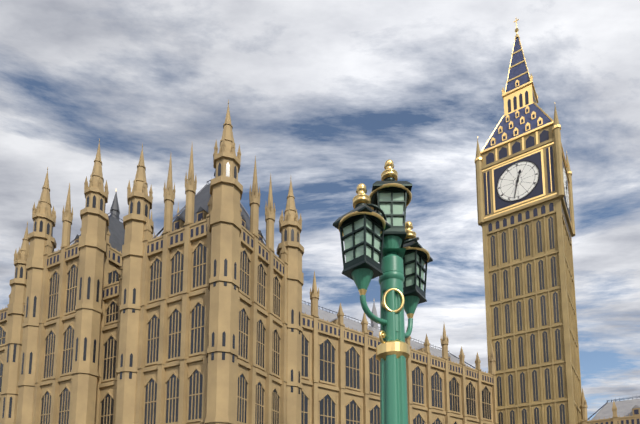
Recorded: 12h32
